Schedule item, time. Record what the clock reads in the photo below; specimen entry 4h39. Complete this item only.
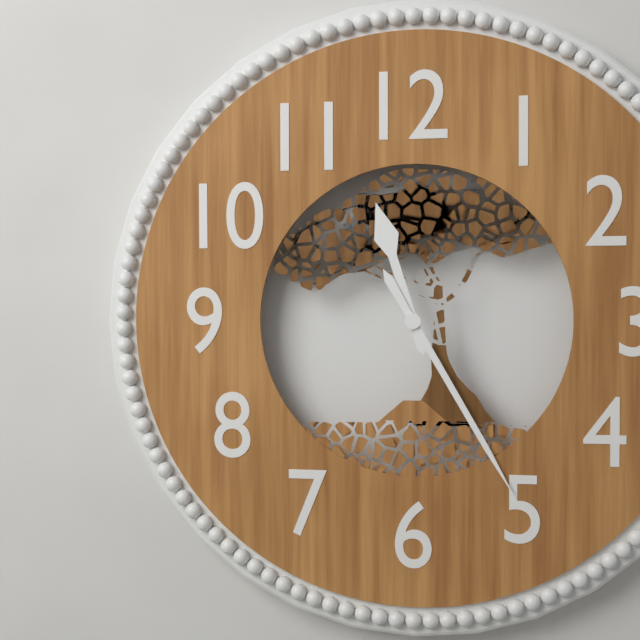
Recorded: 11h25
